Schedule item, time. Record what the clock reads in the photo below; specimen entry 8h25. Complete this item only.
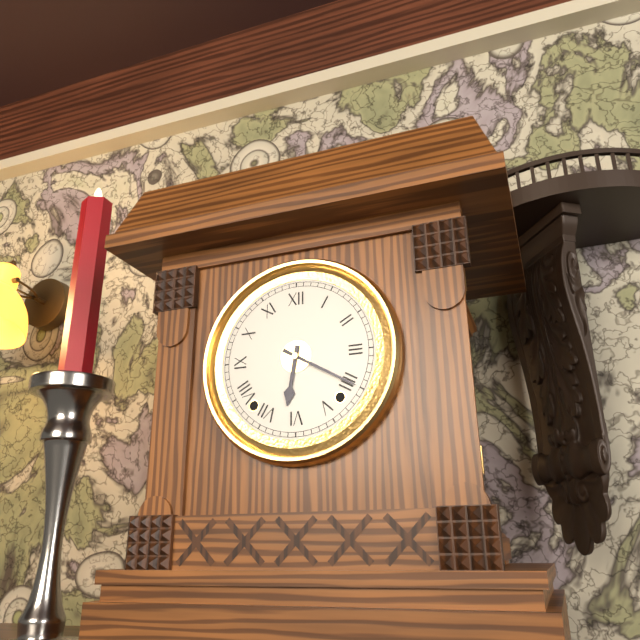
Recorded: 6h20
